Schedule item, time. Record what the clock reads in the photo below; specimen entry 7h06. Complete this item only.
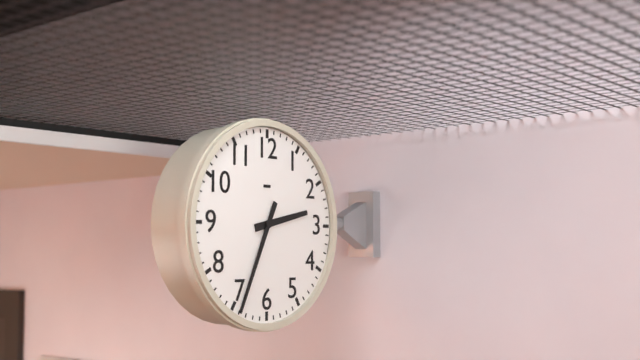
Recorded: 2h34
